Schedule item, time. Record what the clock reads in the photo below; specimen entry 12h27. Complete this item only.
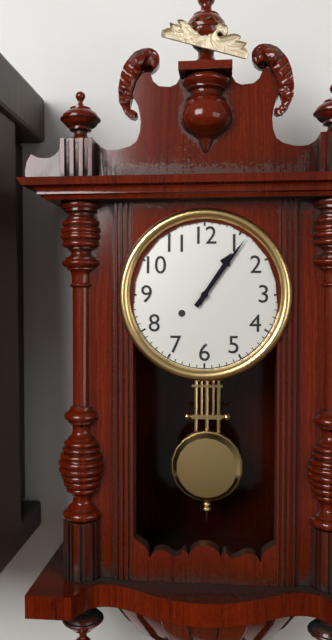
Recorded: 1h06
